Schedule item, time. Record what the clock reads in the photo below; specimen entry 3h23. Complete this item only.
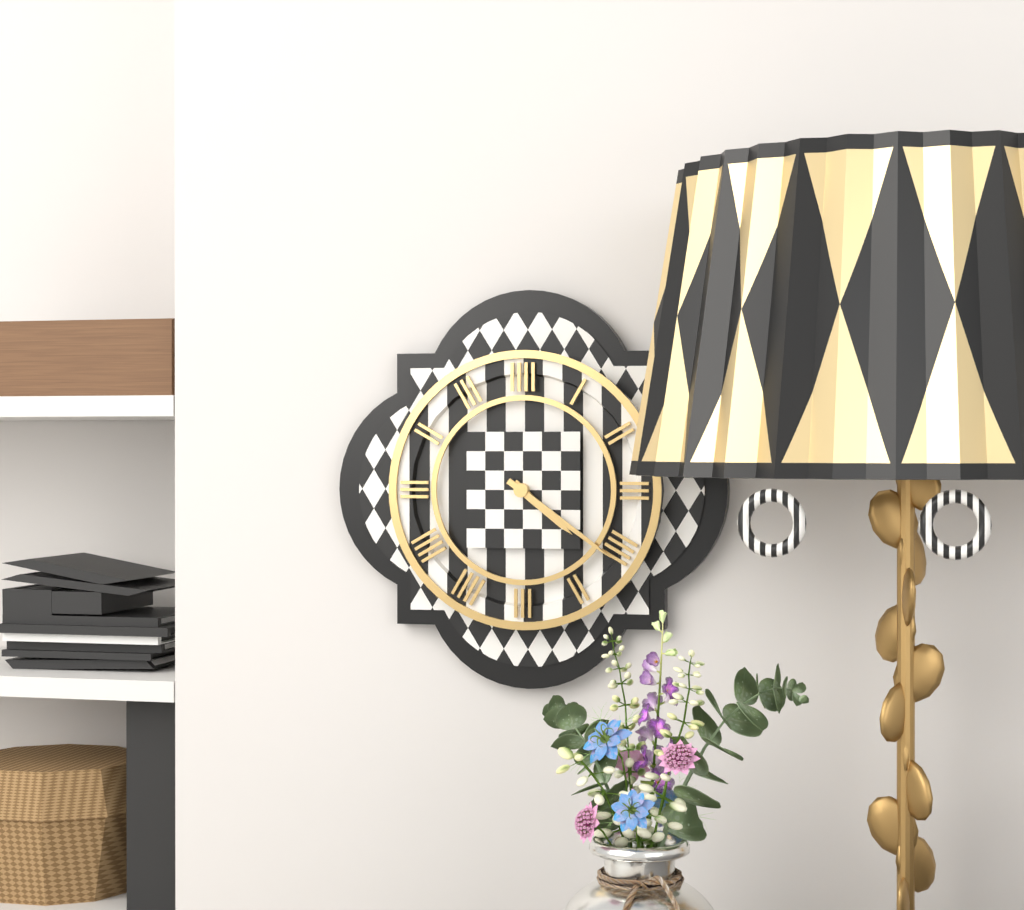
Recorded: 4h21
